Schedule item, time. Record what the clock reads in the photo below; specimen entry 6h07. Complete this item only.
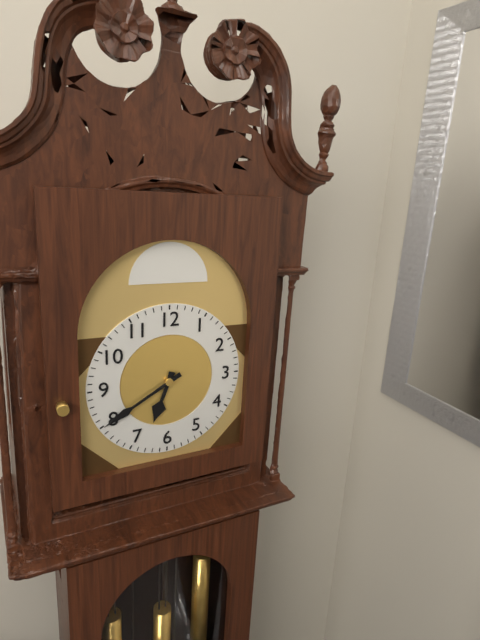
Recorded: 6h40
